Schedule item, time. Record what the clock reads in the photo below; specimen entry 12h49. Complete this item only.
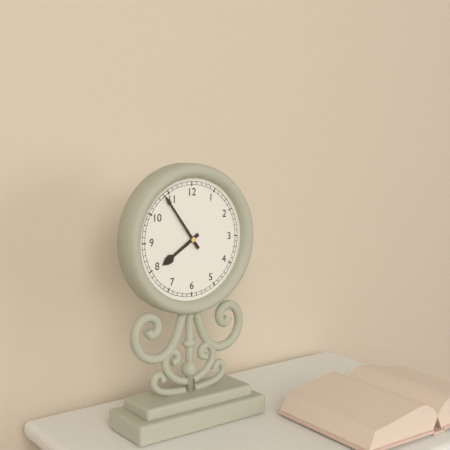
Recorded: 7h54
